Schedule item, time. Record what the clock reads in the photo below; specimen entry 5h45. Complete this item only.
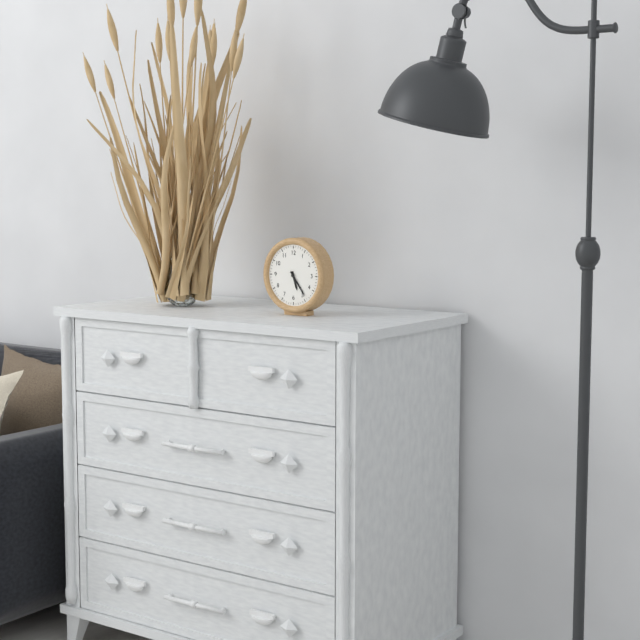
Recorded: 5h24
